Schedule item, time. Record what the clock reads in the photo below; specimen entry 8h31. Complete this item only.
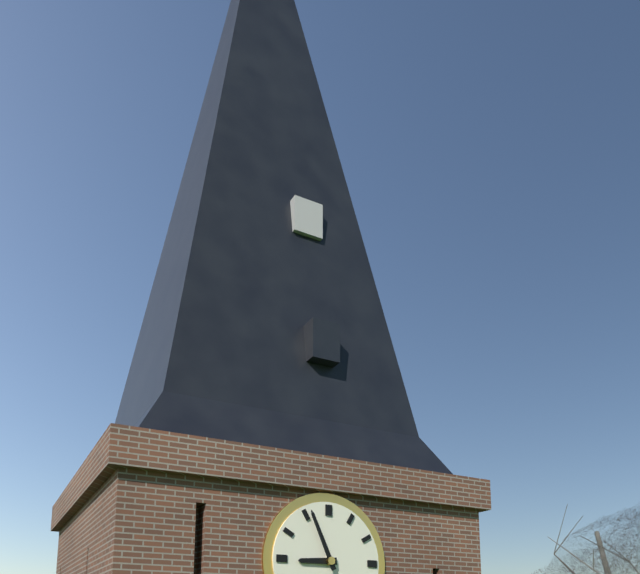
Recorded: 8h56
